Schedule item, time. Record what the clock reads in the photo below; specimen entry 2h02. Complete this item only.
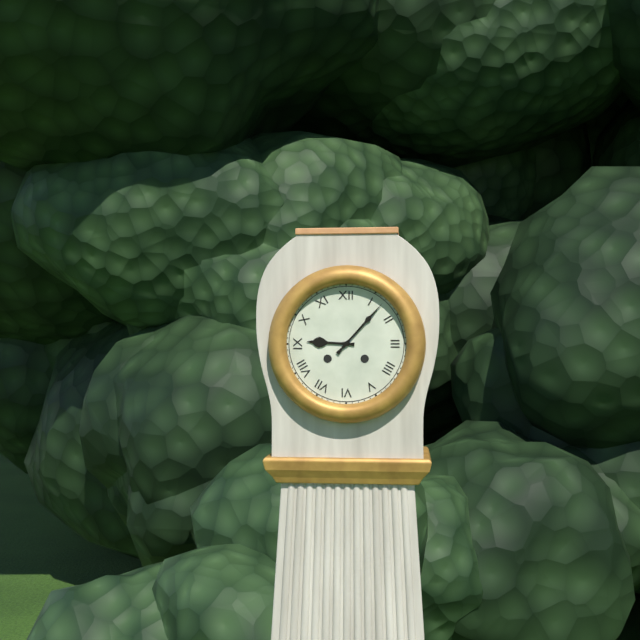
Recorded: 9h07
